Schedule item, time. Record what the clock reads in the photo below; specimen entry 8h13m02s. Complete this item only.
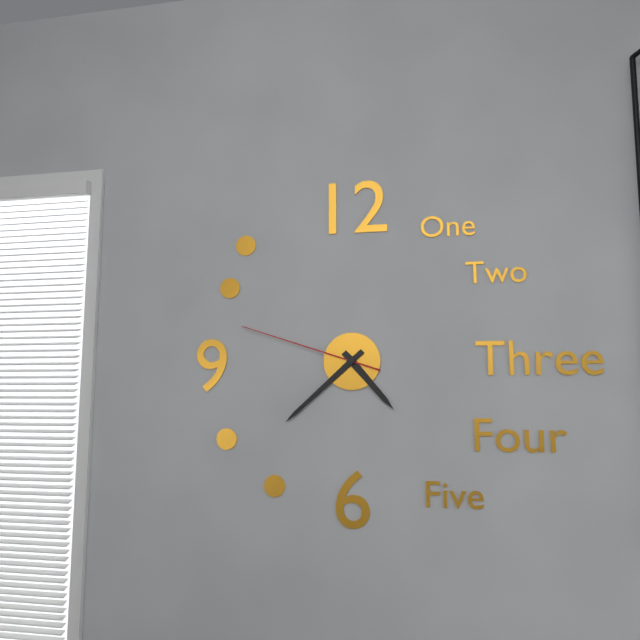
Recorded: 4h38m48s
